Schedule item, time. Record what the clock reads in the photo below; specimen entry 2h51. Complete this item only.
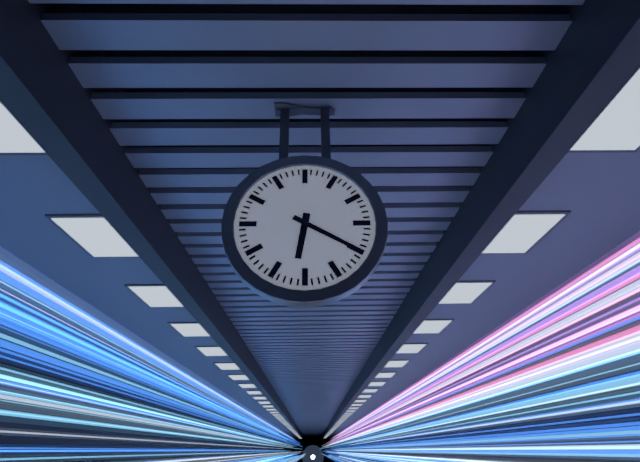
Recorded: 6h20
